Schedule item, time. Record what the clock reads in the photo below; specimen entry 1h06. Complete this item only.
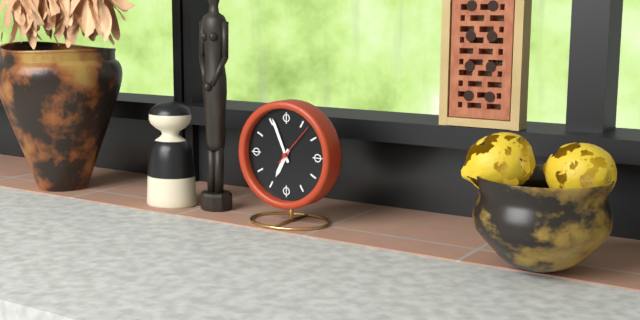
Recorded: 6h56
